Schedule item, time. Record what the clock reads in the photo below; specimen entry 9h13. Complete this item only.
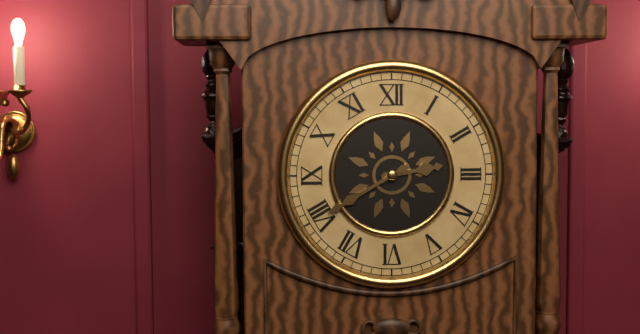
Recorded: 2h40
